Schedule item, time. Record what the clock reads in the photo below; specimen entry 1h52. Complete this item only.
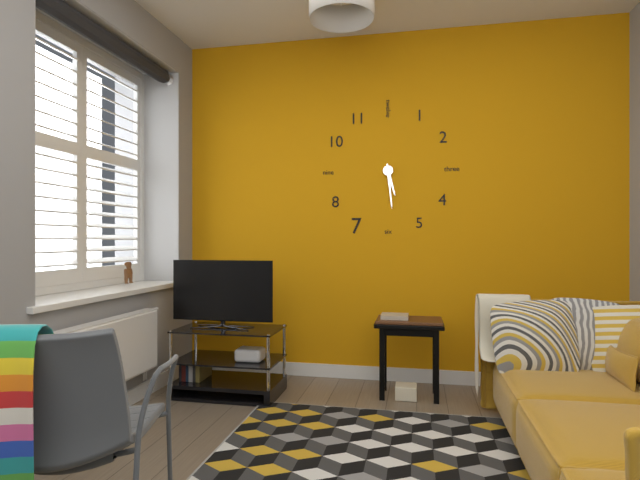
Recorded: 5h29
